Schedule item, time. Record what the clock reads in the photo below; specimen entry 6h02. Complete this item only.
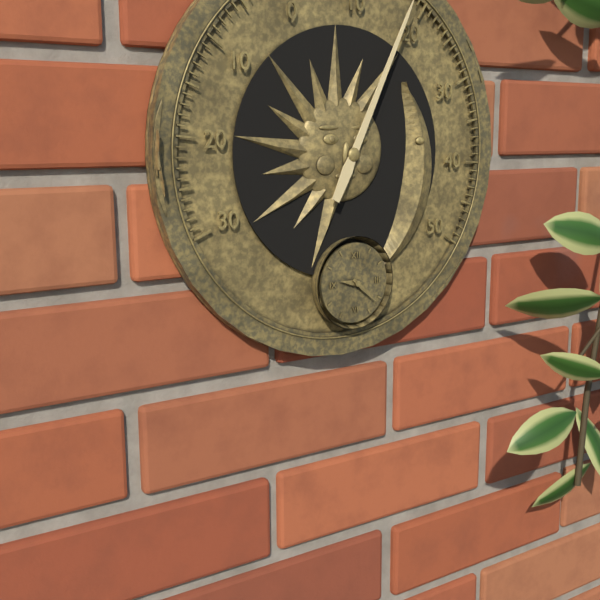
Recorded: 9h22
